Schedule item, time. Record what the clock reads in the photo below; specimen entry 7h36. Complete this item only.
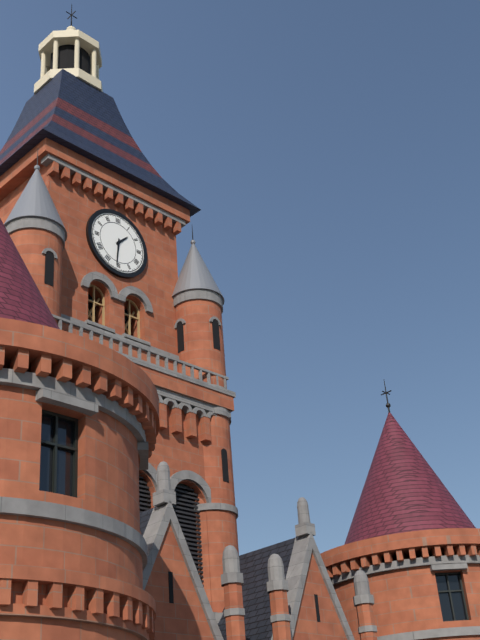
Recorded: 1h31
